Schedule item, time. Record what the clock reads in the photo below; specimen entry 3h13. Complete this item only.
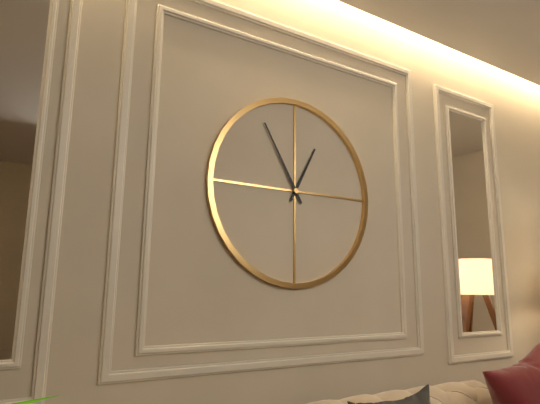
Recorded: 12h55
